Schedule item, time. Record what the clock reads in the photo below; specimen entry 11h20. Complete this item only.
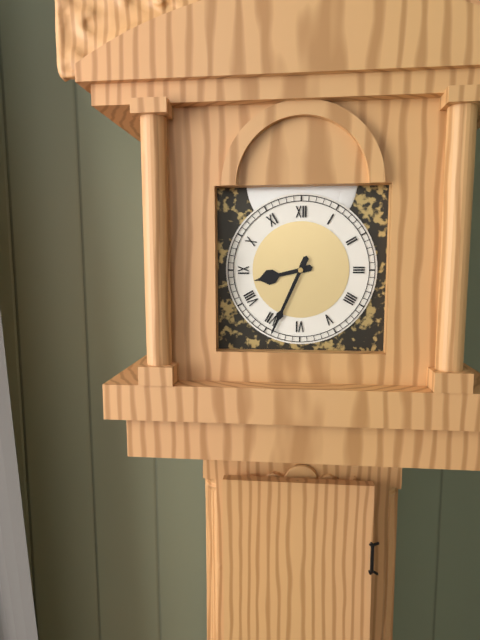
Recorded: 8h34
